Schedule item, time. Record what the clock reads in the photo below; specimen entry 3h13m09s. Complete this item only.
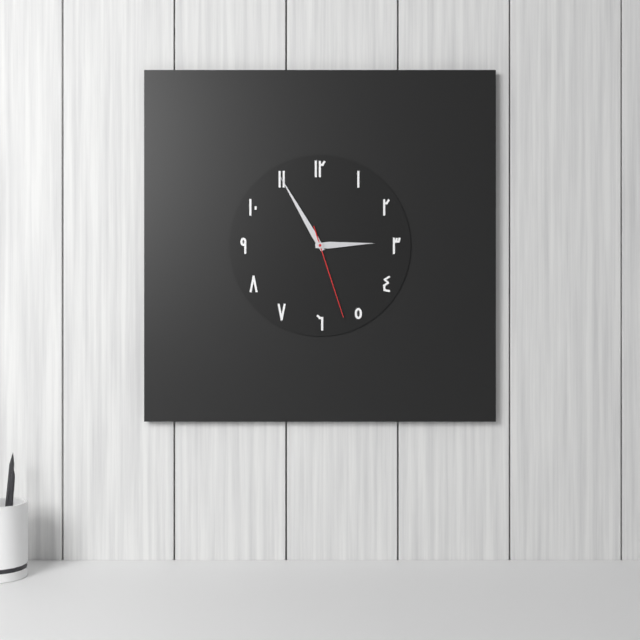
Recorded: 2h55m27s
